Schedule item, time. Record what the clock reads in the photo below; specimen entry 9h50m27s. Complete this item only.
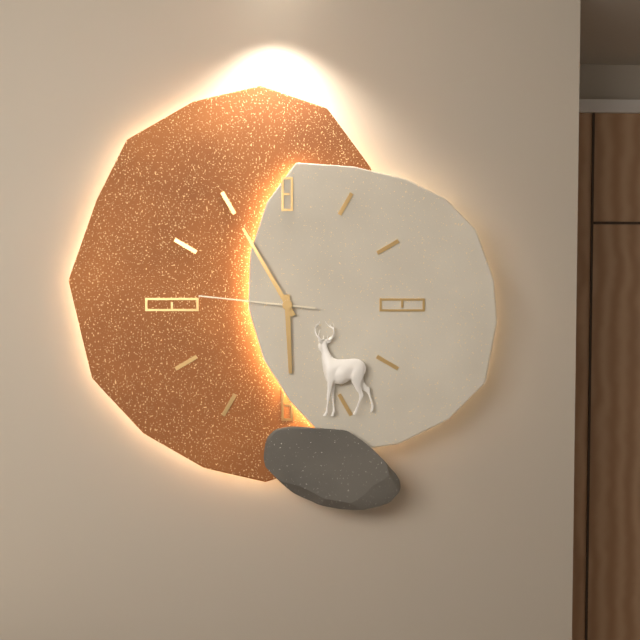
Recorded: 5h55m46s
